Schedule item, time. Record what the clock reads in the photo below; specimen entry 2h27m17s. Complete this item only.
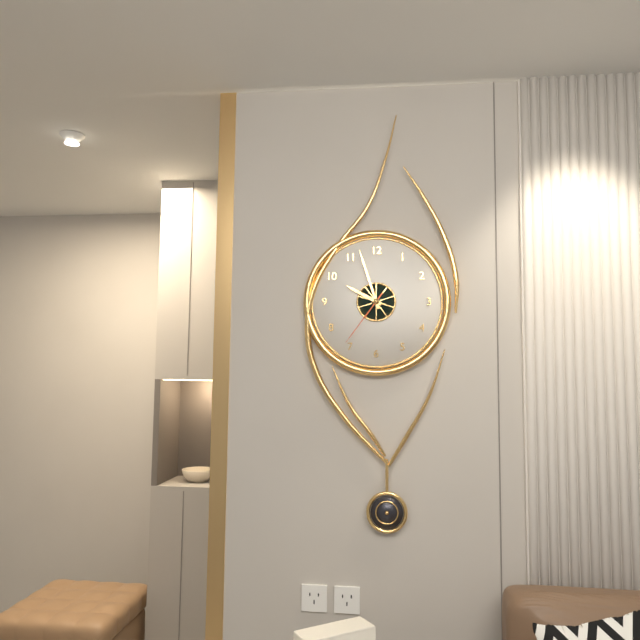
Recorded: 9h57m36s
